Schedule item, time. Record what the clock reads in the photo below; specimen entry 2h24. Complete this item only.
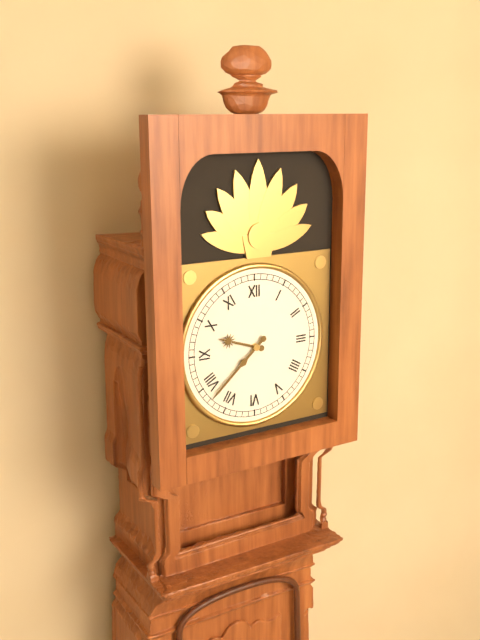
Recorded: 9h38
